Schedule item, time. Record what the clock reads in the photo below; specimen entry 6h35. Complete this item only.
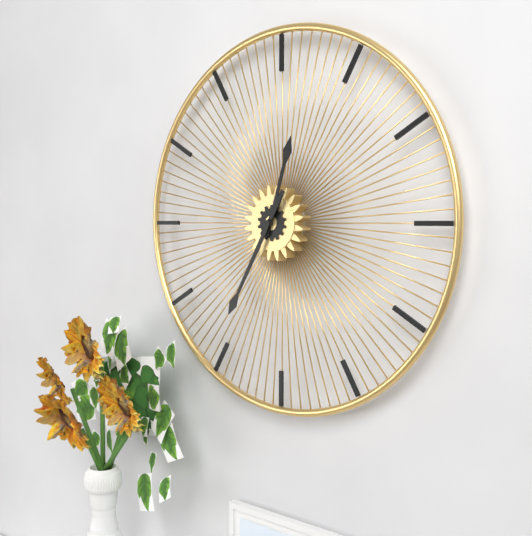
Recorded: 12h35
